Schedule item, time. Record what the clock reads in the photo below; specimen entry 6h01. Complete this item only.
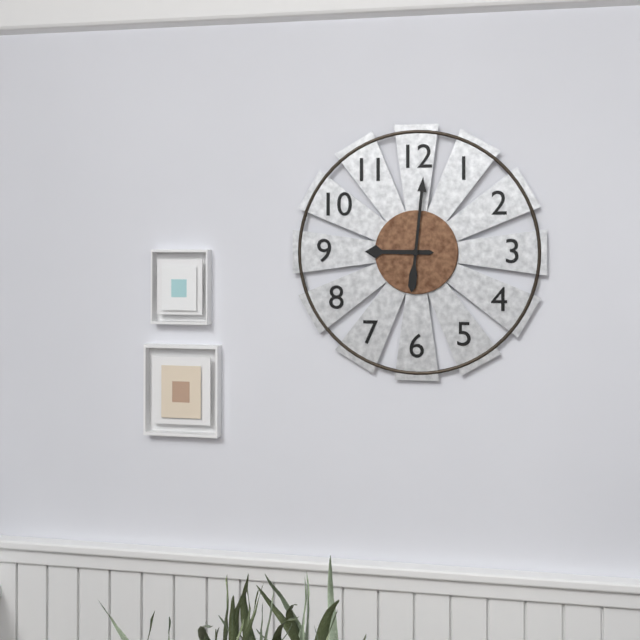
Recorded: 9h01
